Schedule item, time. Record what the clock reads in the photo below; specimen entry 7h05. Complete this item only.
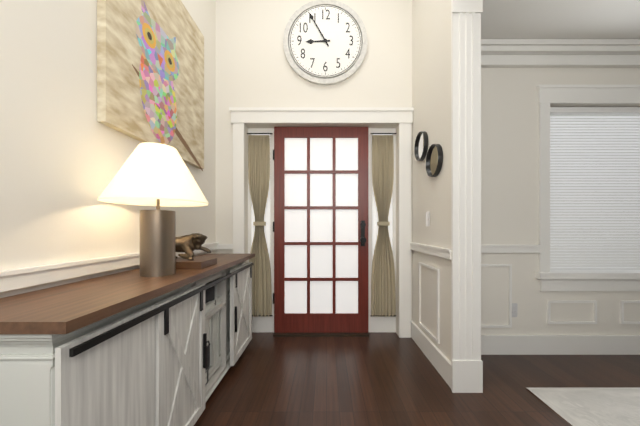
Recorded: 8h55
